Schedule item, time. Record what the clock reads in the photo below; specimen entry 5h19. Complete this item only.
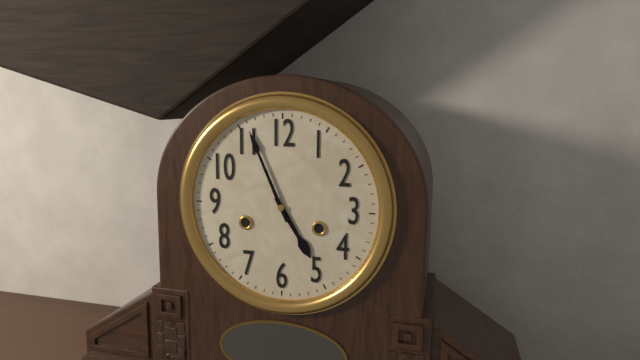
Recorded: 4h56
